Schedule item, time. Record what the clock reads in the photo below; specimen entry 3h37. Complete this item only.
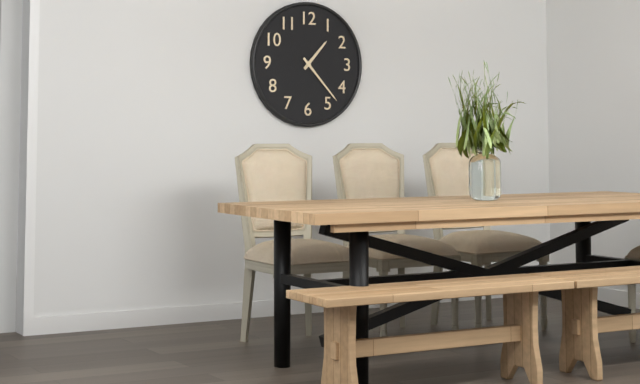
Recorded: 1h23
